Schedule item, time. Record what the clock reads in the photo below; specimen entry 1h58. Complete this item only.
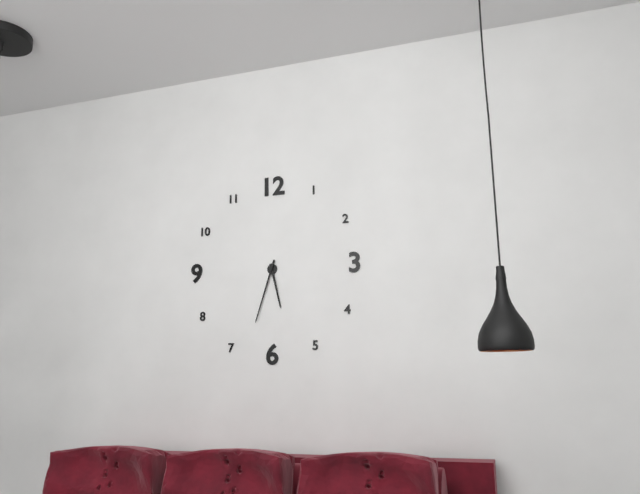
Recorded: 5h33
